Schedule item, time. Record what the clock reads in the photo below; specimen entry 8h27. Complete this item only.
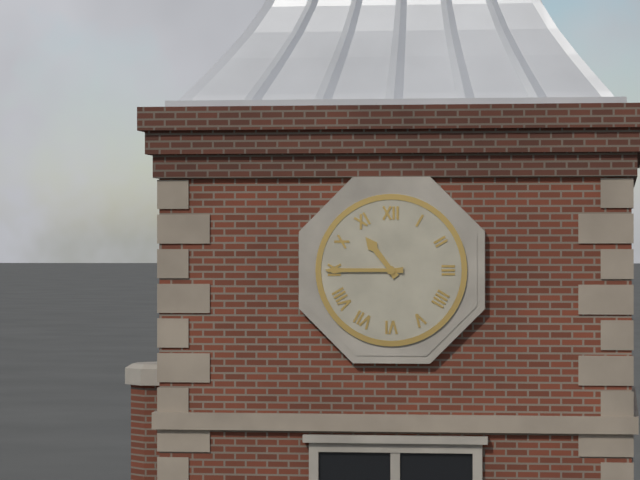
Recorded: 10h45
